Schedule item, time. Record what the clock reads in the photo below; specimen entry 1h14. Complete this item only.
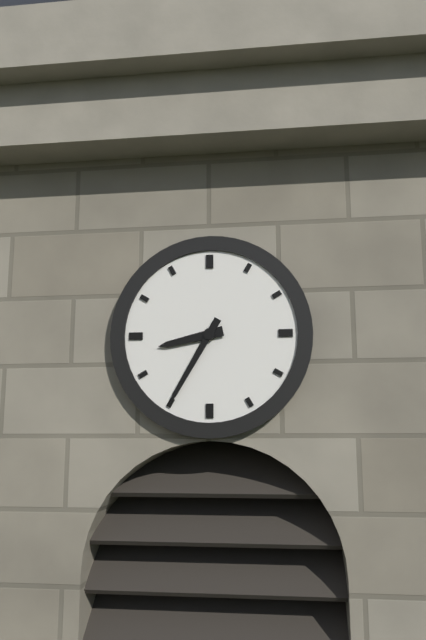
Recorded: 8h35
